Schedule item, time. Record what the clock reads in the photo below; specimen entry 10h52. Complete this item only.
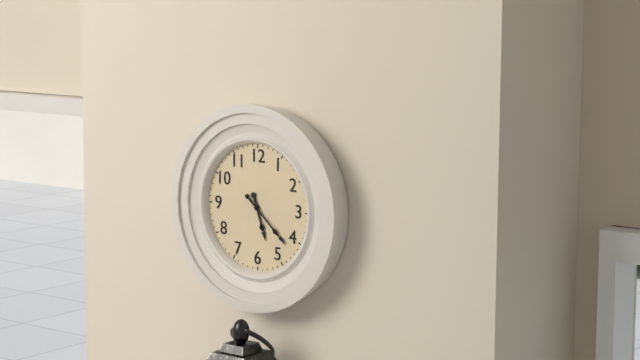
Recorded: 5h22
